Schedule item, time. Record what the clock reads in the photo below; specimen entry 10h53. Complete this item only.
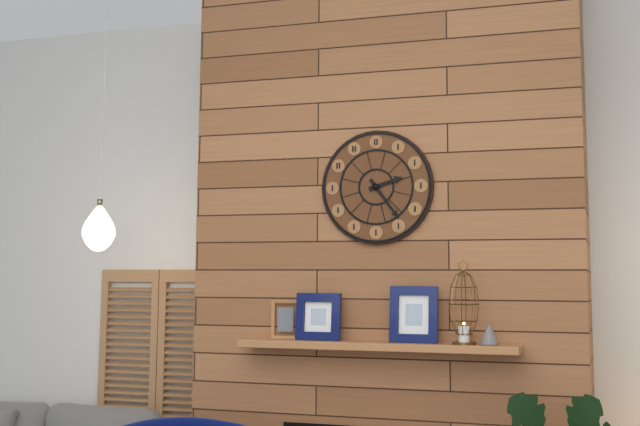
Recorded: 2h24
